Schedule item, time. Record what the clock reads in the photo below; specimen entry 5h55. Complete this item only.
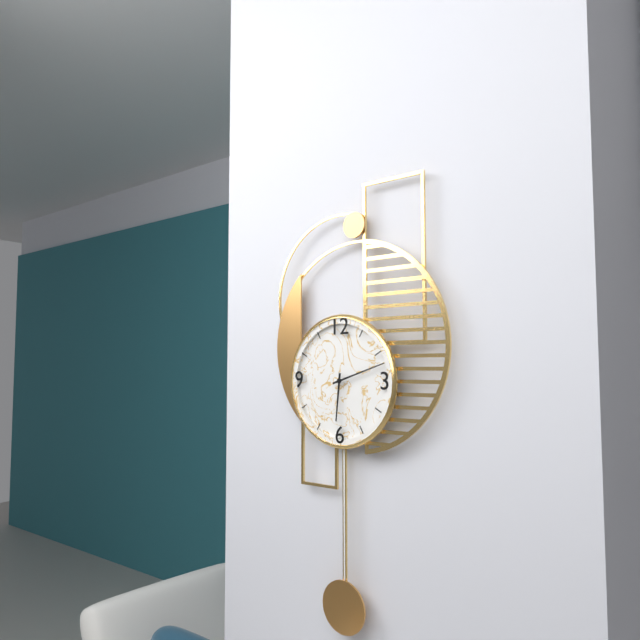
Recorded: 6h12
